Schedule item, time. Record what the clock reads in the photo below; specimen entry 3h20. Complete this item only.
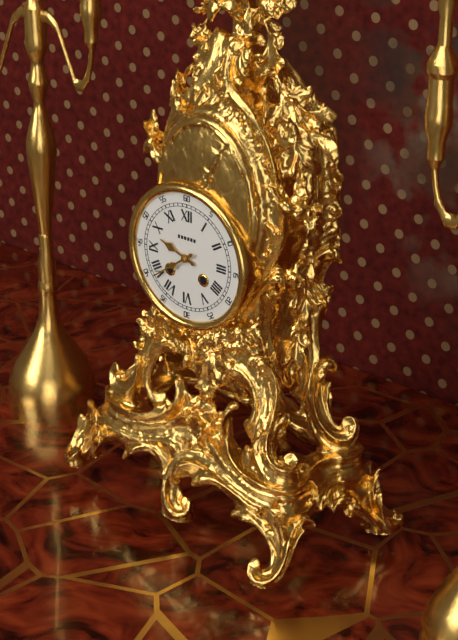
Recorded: 9h39
